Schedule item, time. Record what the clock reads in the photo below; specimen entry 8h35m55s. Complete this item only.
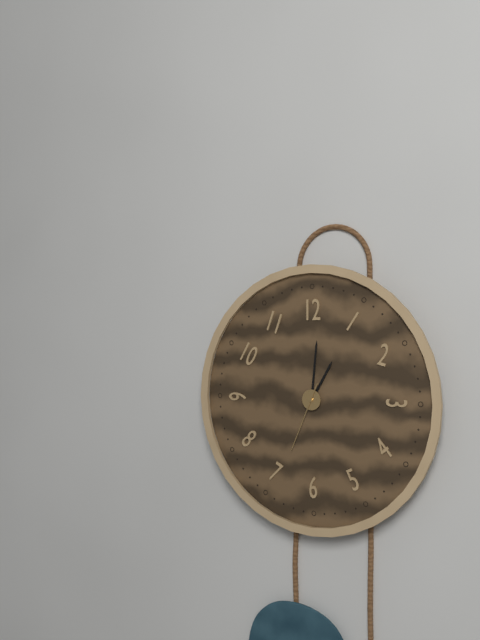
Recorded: 1h01m34s
